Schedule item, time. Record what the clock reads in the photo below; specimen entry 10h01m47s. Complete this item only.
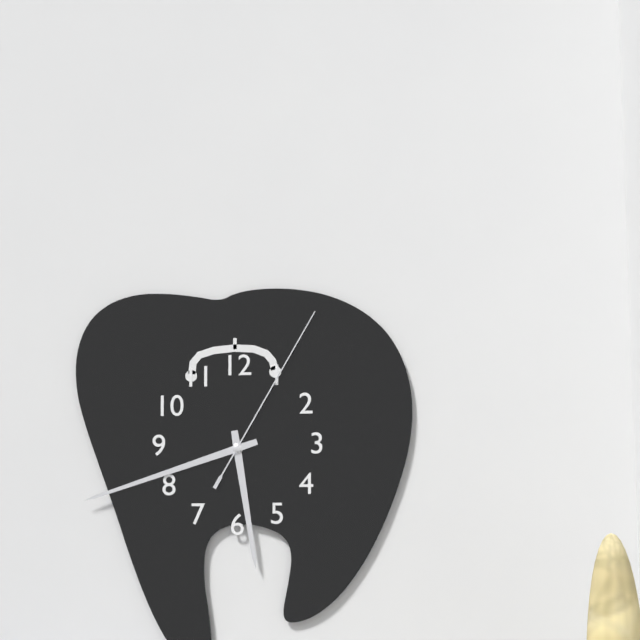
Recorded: 5h42m05s
